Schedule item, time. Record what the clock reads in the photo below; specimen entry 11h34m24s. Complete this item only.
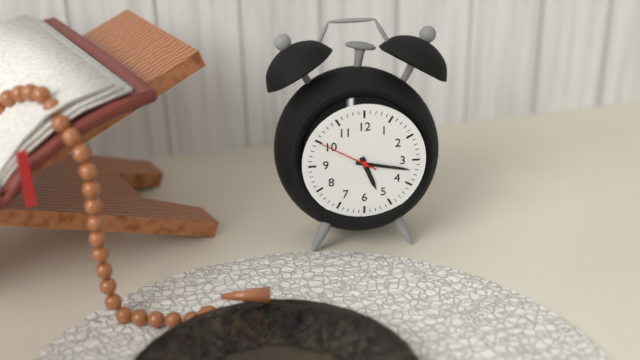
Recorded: 5h17m50s
